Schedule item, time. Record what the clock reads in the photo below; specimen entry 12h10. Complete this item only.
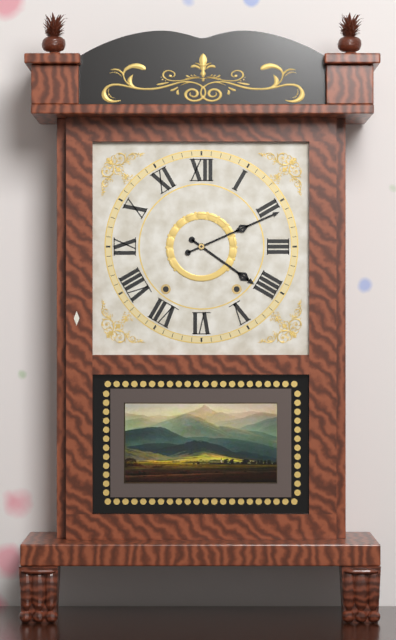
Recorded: 4h11
